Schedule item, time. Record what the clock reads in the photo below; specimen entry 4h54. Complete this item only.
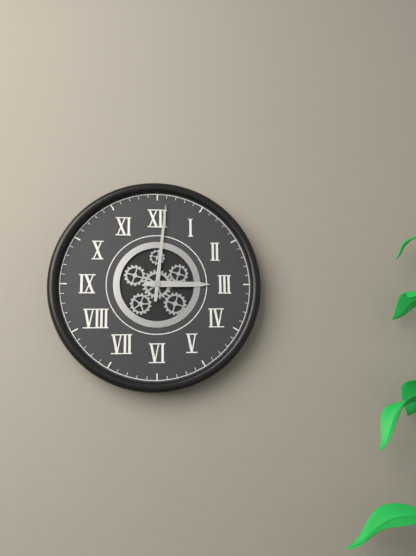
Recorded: 3h01
